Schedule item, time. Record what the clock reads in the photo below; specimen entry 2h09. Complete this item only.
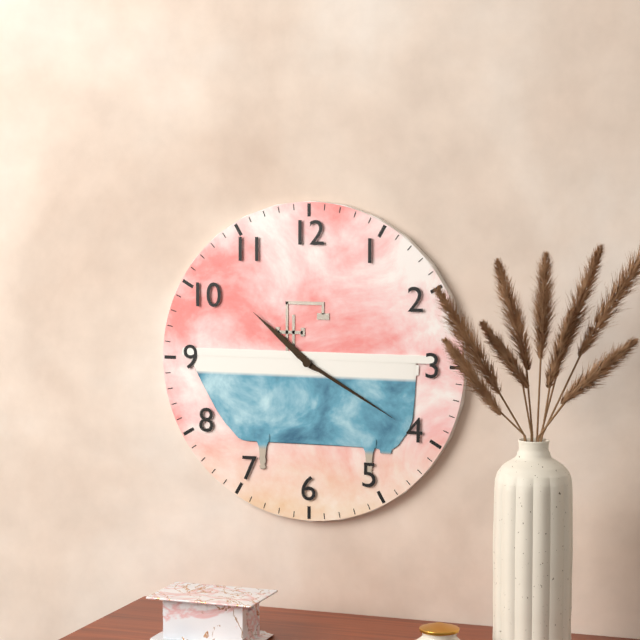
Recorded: 10h20
